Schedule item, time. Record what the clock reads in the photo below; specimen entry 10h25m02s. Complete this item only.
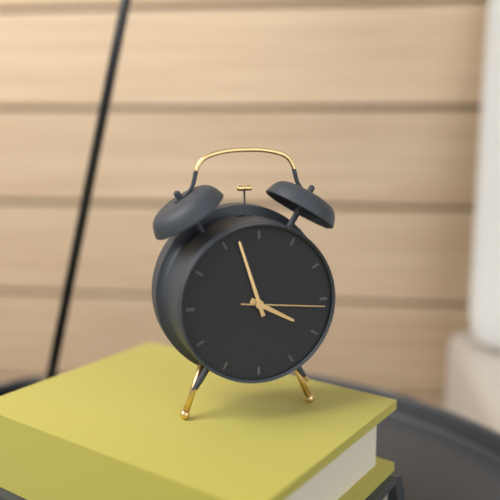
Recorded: 3h57m16s
